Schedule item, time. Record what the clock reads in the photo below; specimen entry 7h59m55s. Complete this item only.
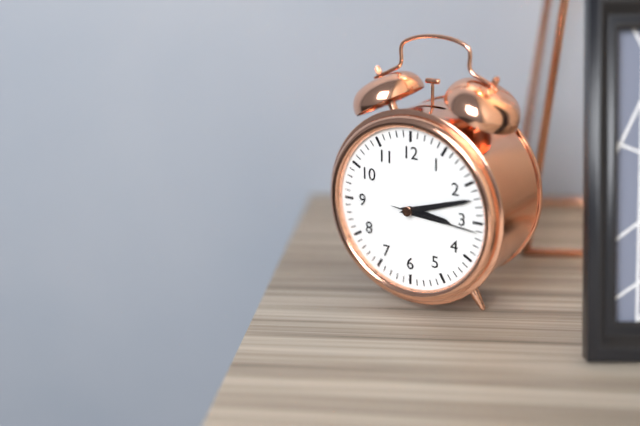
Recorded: 3h12m16s
